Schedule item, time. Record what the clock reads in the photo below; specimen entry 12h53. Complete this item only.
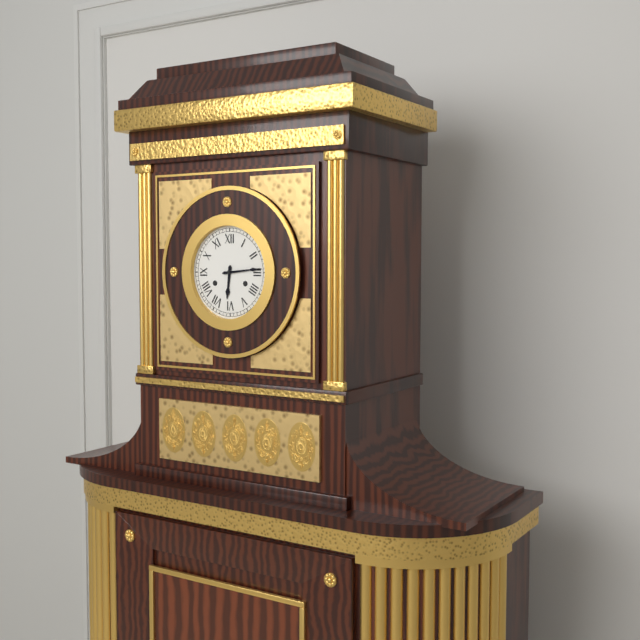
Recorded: 6h14
